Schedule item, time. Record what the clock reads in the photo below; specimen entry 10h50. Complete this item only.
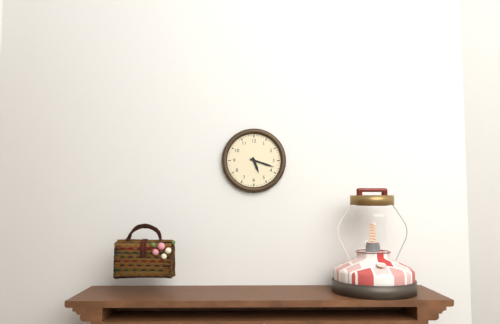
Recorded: 5h18
